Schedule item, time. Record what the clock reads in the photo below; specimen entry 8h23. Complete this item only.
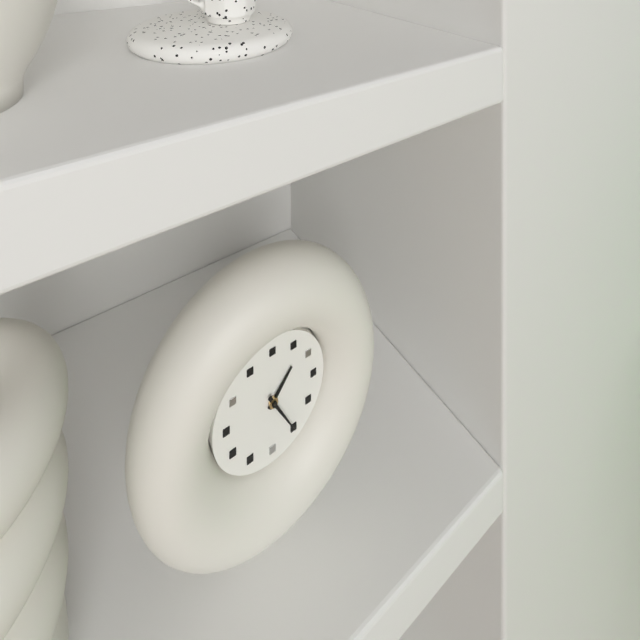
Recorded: 1h25
